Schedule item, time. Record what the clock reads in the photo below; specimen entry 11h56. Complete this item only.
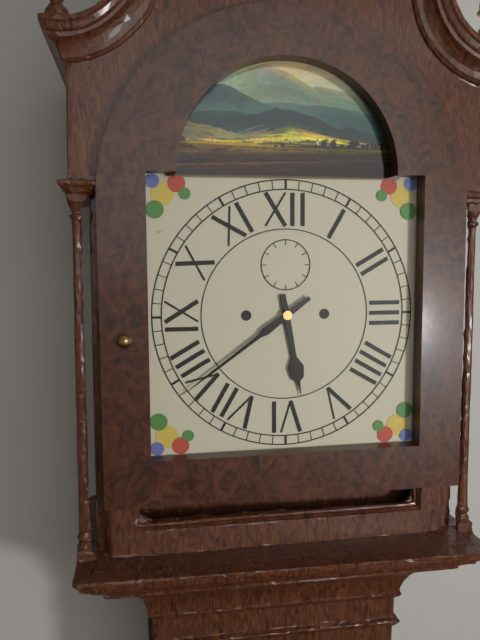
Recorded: 5h39
